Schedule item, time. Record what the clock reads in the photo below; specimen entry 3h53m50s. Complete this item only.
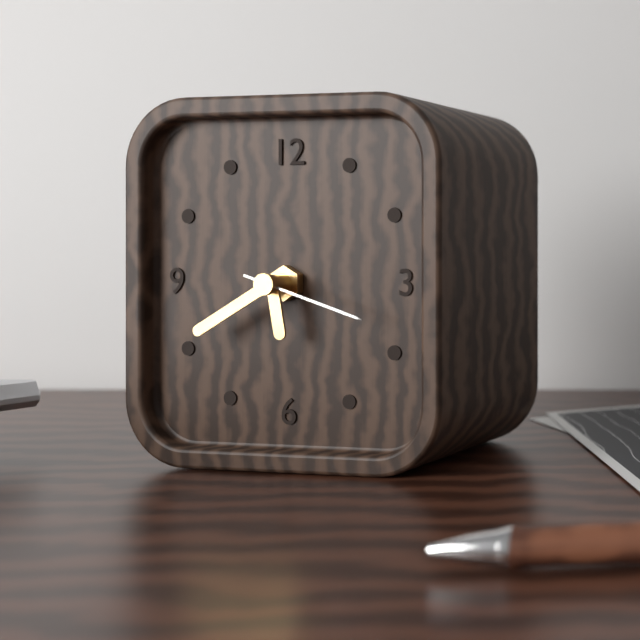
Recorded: 5h40m18s
